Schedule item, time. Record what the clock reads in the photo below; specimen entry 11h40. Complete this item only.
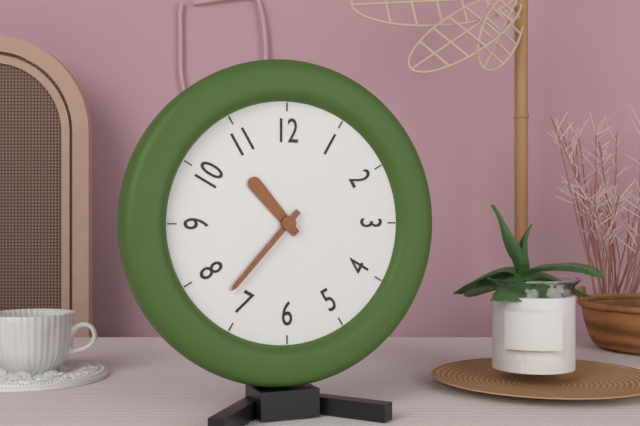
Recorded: 10h37
